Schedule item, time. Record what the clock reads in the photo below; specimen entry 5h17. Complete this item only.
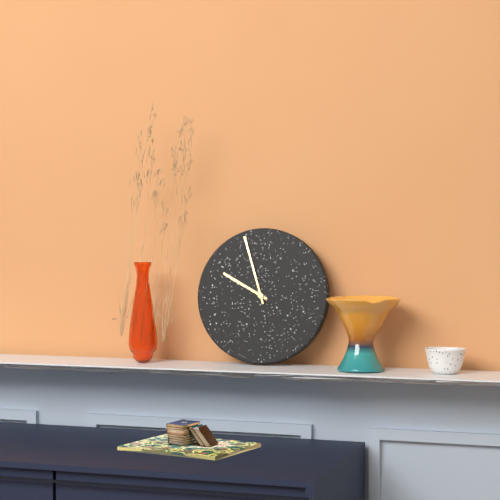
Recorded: 9h57
